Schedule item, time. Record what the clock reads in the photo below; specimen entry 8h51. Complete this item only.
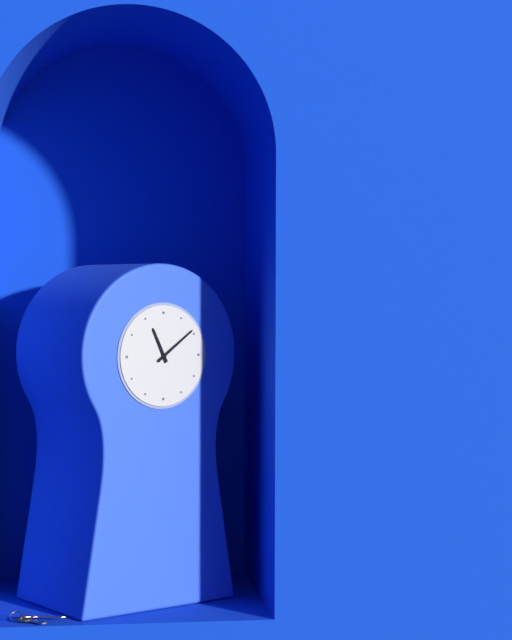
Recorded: 11h09
